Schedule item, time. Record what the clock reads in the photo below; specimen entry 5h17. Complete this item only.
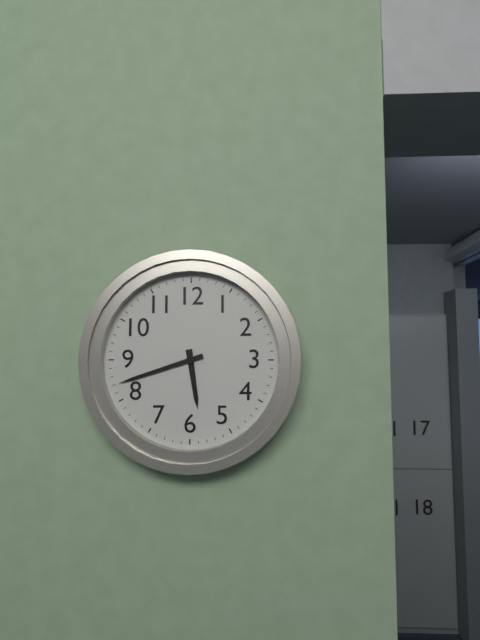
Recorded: 5h42
